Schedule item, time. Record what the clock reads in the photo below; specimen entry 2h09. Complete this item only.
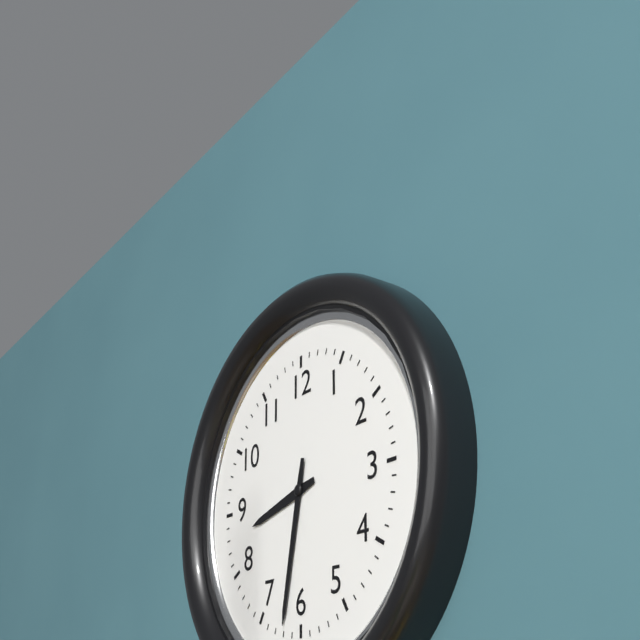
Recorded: 8h32
